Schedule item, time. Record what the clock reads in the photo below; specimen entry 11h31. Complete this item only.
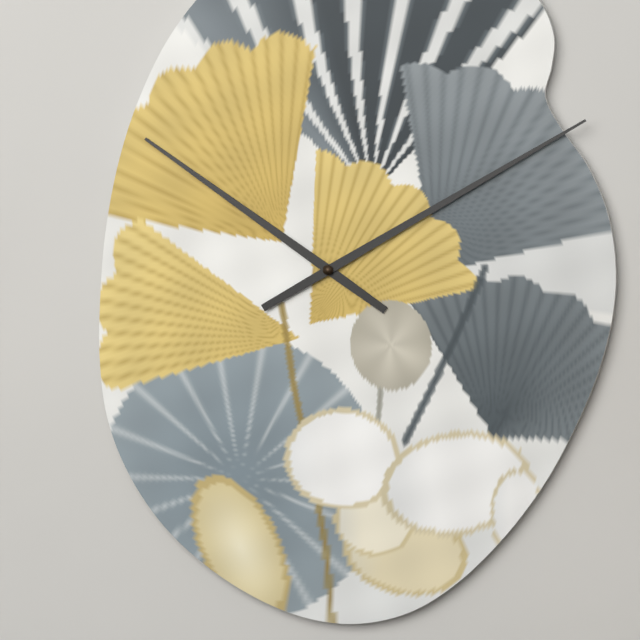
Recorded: 10h10
